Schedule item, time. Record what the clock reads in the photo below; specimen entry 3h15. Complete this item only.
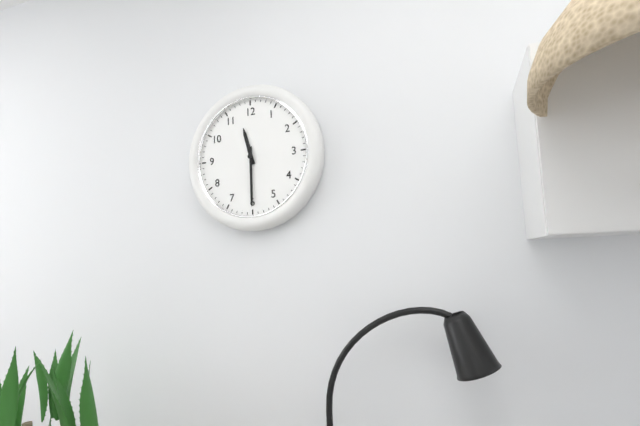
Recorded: 11h30
